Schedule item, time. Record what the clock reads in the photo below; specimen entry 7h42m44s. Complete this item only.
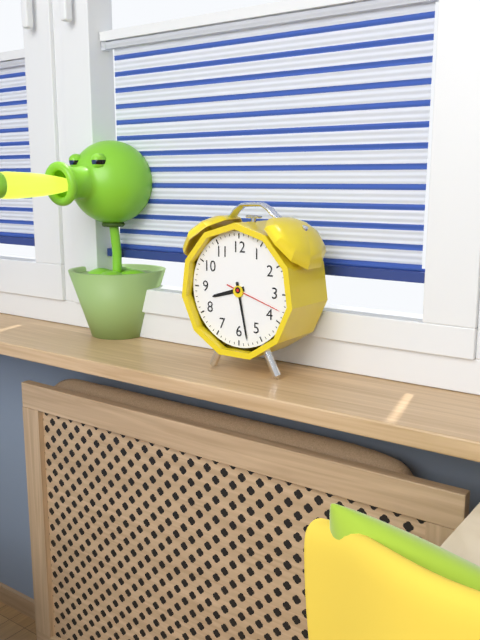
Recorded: 8h28m18s
